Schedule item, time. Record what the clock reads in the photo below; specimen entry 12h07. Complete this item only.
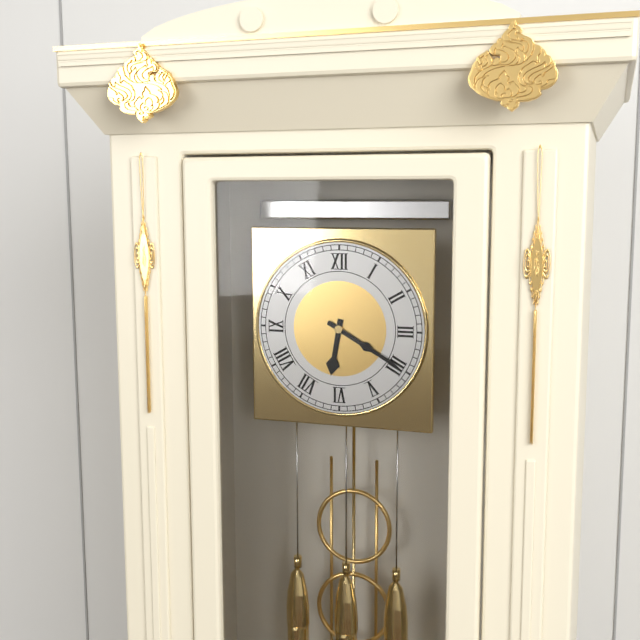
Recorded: 6h20
